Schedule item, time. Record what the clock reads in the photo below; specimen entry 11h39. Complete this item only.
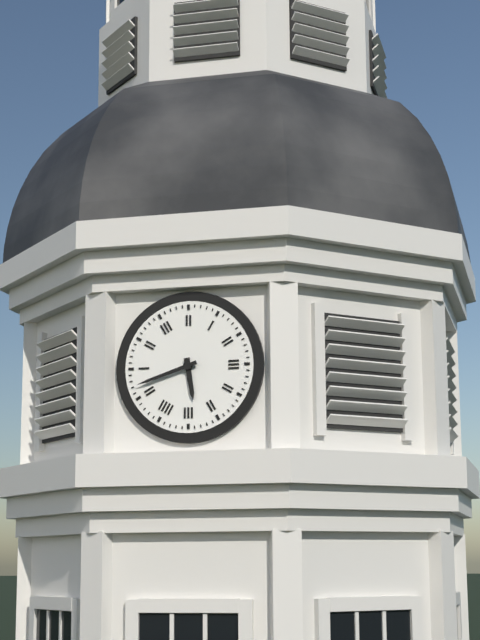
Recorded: 5h42
